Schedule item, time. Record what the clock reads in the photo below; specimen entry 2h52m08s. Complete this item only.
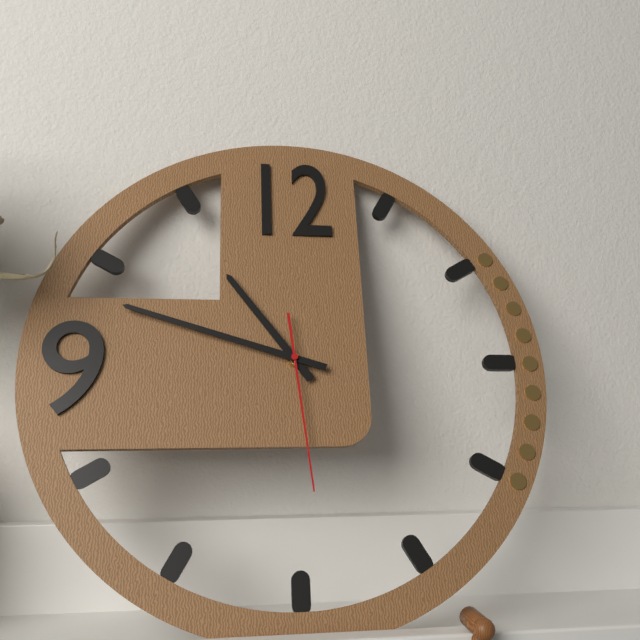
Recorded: 10h48m29s
